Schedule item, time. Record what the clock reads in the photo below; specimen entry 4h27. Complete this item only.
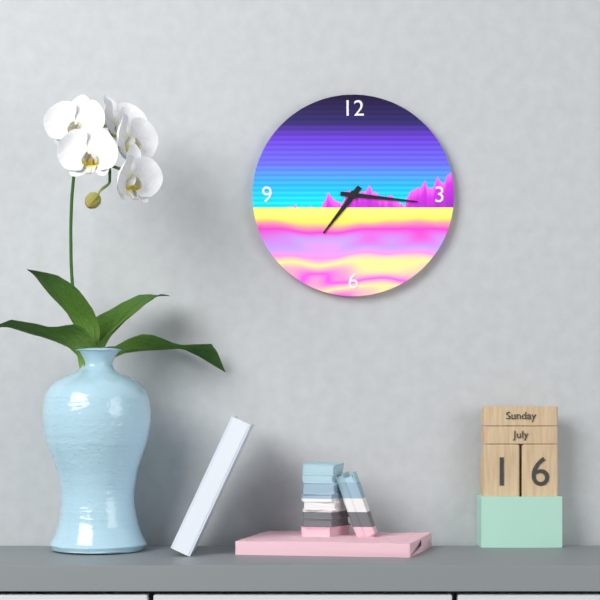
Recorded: 7h16
